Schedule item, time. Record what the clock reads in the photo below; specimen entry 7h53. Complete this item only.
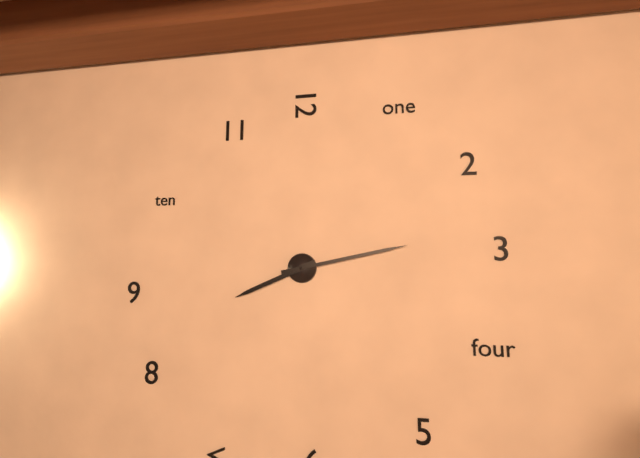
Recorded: 8h13
